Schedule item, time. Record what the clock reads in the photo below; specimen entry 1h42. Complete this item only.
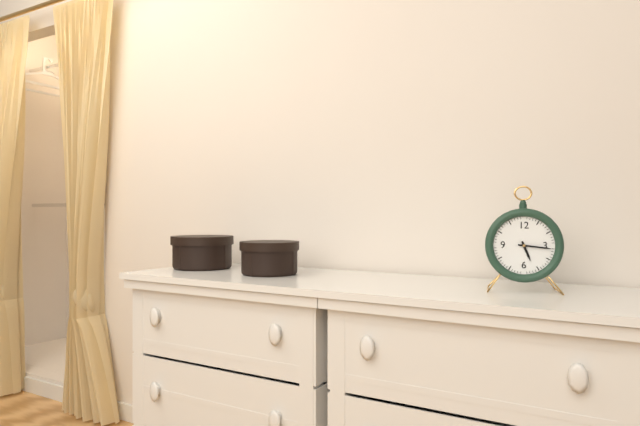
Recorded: 5h16
